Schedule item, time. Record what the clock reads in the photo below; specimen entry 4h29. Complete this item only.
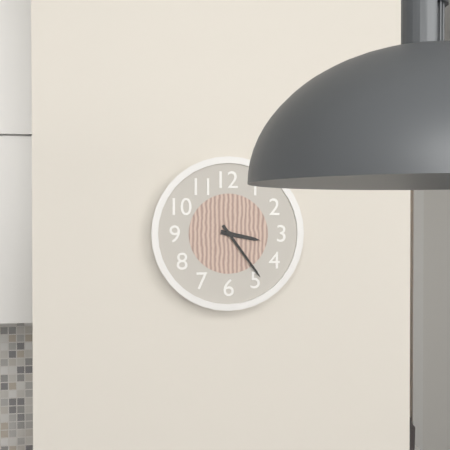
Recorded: 3h24
